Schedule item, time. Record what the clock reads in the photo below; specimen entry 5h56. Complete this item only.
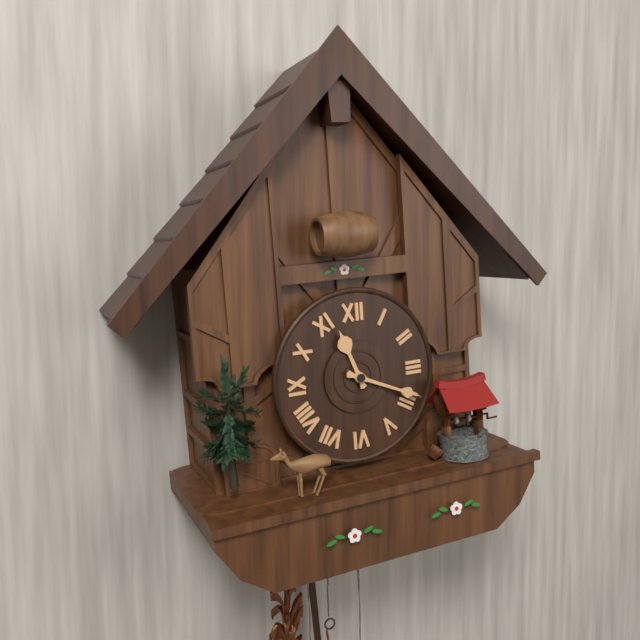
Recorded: 11h19
